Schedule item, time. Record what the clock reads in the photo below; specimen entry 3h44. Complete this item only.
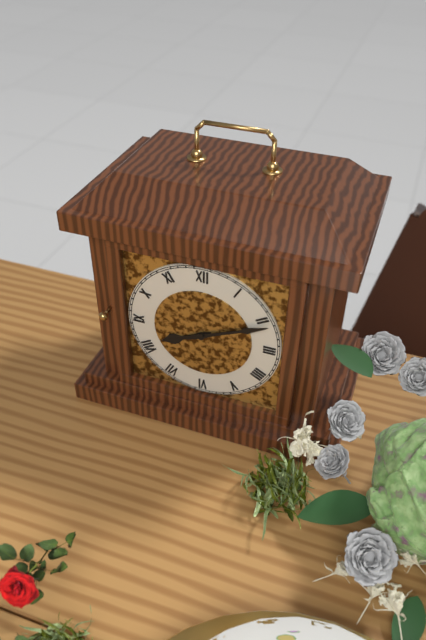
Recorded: 8h11
